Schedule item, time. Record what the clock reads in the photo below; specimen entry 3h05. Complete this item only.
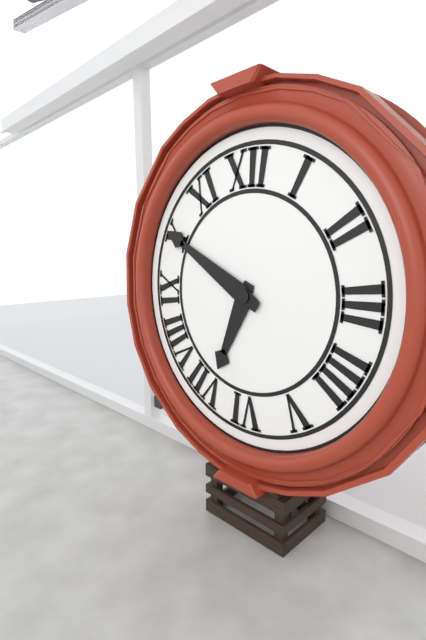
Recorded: 6h50
